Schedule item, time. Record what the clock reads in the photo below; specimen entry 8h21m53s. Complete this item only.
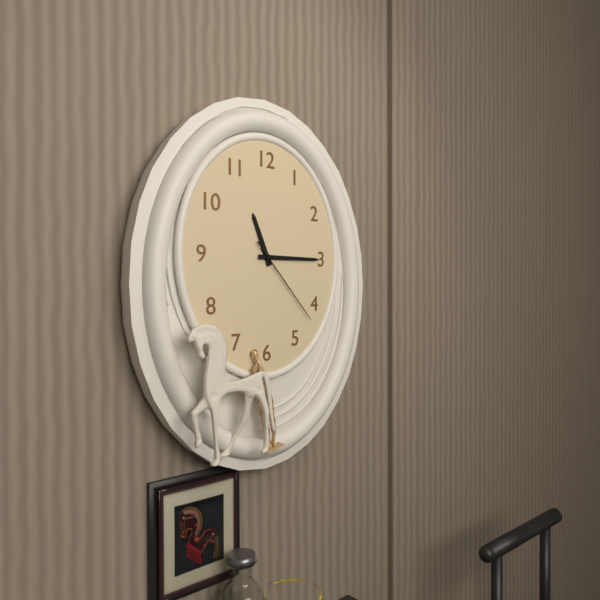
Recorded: 11h15m23s
